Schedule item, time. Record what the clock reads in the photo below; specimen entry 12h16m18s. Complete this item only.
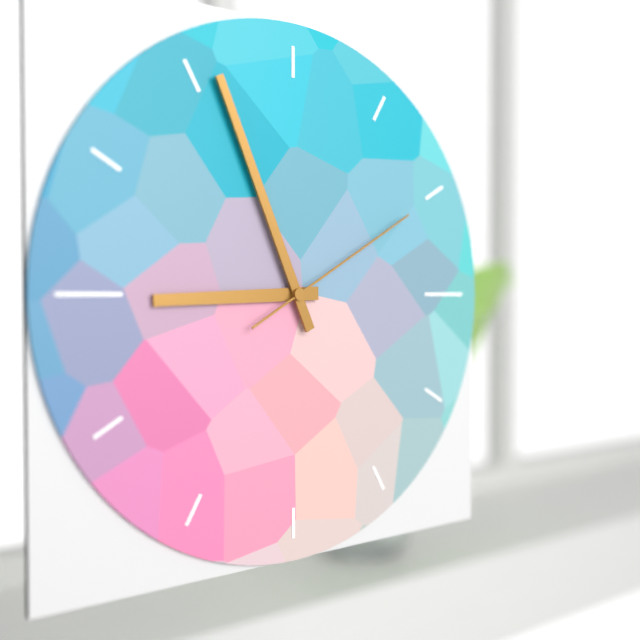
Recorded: 8h56m10s
